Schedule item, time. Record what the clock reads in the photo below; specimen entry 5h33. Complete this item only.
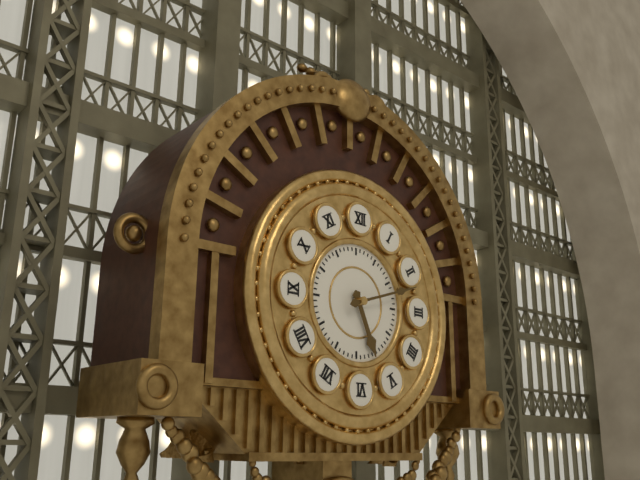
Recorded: 5h12
